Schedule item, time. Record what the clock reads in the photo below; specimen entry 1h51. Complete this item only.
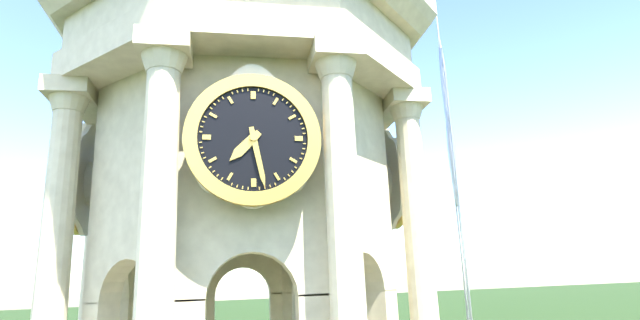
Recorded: 7h28
